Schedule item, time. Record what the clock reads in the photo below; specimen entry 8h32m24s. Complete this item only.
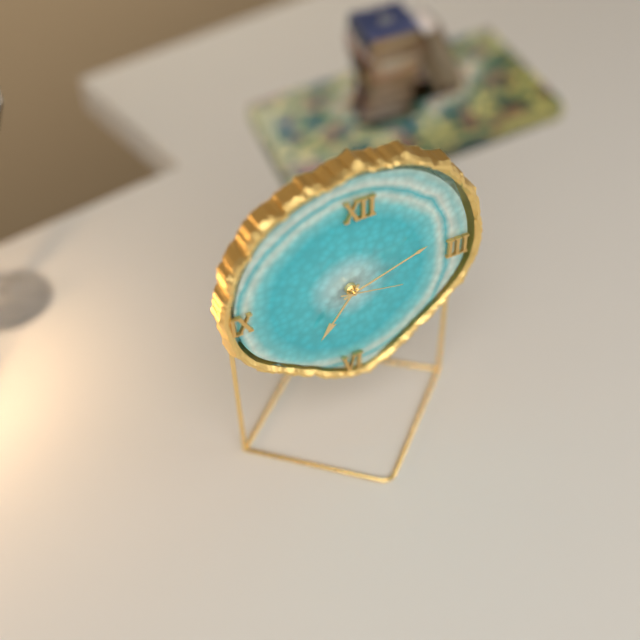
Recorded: 7h12m17s
